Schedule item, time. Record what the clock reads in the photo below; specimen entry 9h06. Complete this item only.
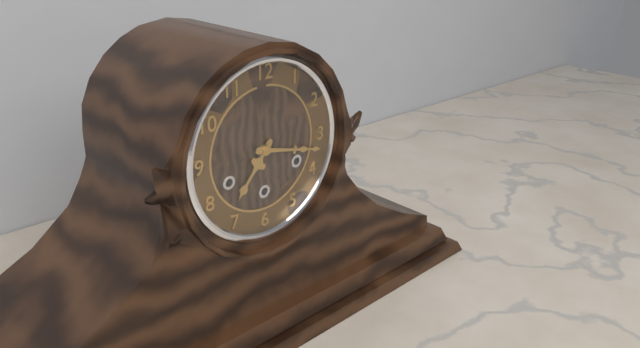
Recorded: 7h17
